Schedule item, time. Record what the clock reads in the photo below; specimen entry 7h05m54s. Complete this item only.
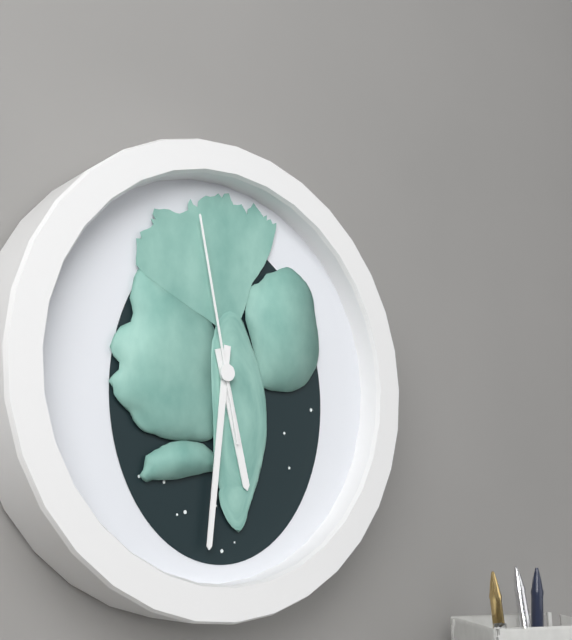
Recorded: 5h31m58s
